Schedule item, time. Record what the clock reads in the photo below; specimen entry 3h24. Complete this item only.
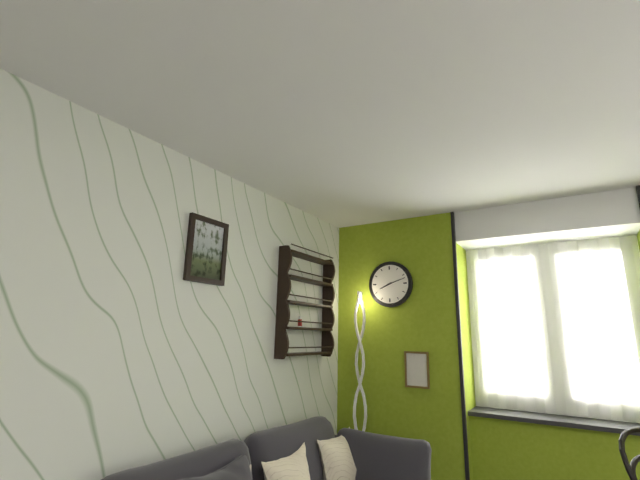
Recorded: 8h12
